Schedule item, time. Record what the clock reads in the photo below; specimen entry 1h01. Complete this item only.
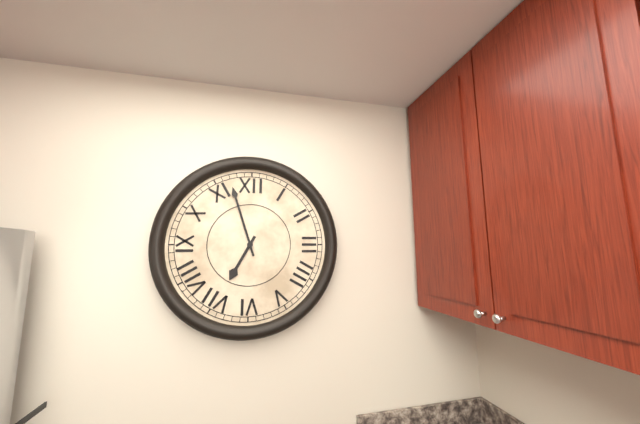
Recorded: 6h57
